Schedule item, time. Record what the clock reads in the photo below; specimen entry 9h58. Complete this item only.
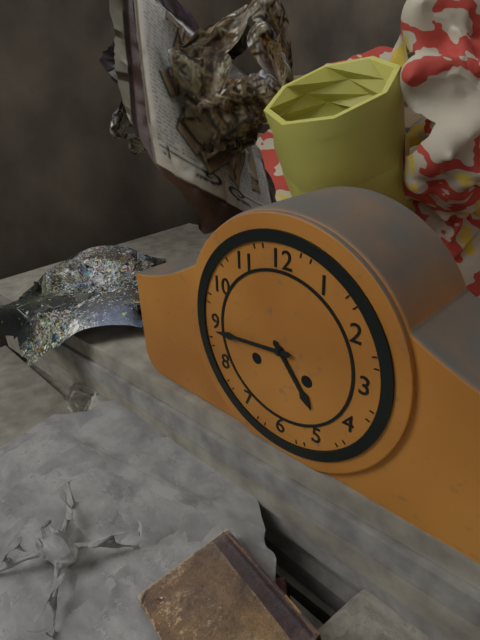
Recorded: 4h44
